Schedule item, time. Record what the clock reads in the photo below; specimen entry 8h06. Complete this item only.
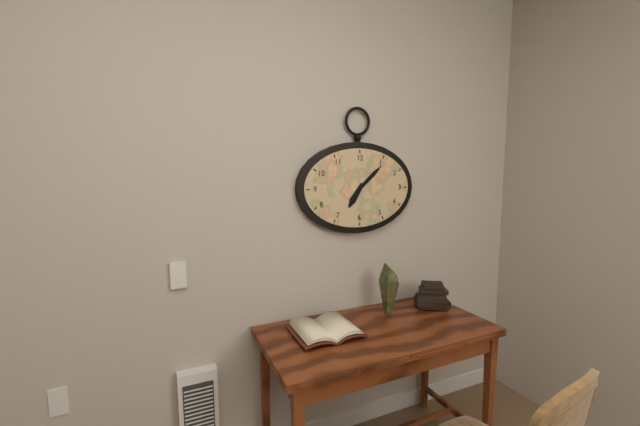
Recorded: 7h08
